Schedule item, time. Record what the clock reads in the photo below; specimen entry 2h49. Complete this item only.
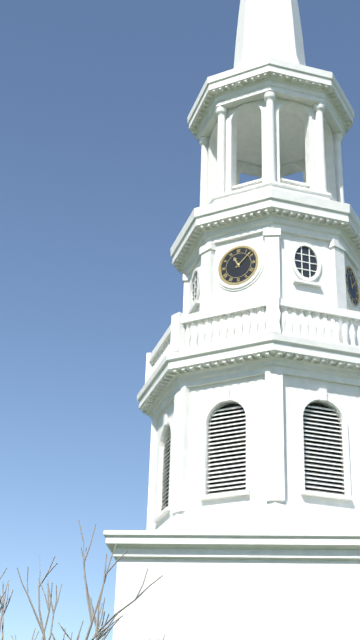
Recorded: 11h08
